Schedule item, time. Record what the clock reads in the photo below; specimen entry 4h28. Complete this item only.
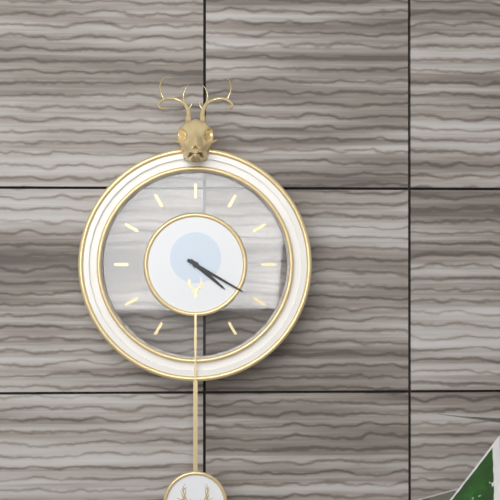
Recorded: 4h20
